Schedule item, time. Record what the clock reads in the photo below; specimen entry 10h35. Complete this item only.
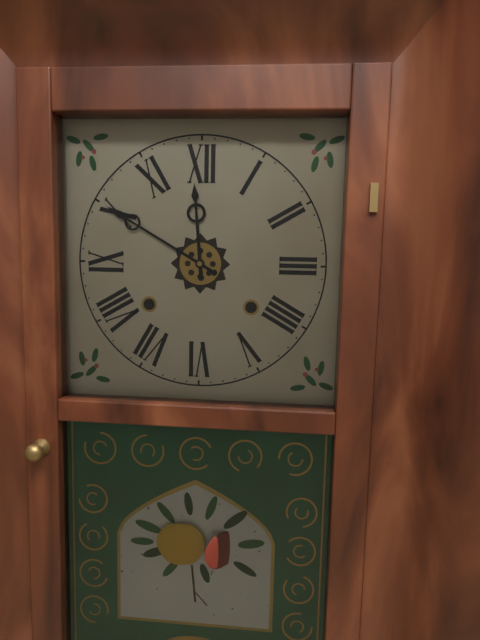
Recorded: 11h50
